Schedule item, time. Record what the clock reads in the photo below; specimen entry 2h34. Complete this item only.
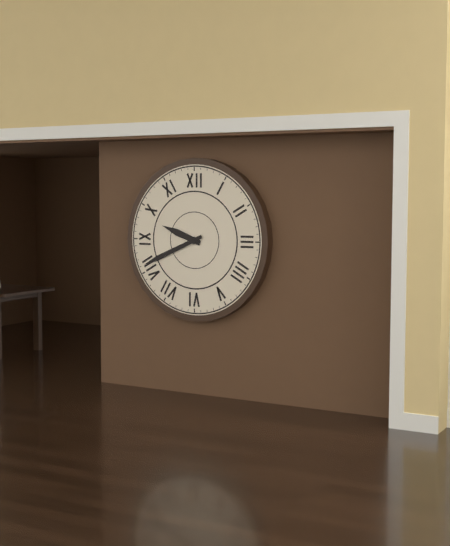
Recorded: 9h41
